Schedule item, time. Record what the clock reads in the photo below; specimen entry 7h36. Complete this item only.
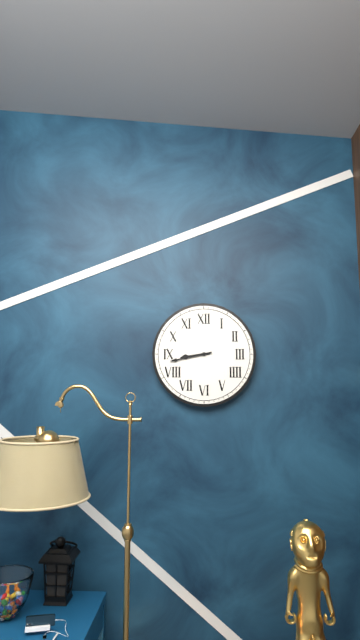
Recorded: 8h43
